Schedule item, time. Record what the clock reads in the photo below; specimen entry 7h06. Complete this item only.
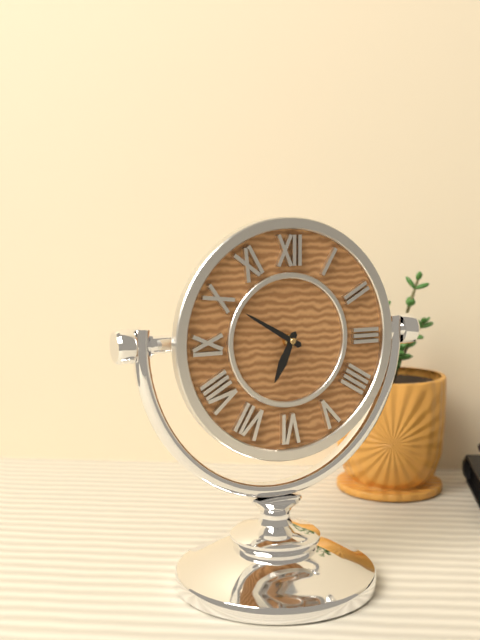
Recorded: 6h50
